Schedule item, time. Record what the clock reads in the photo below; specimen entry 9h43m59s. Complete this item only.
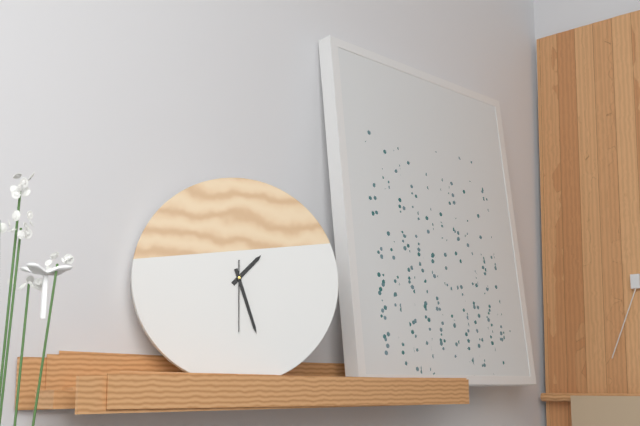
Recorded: 1h27m30s
